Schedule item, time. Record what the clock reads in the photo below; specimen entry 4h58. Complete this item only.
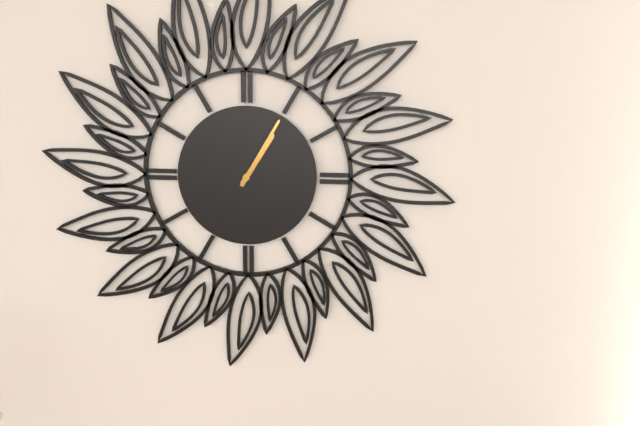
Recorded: 1h05
